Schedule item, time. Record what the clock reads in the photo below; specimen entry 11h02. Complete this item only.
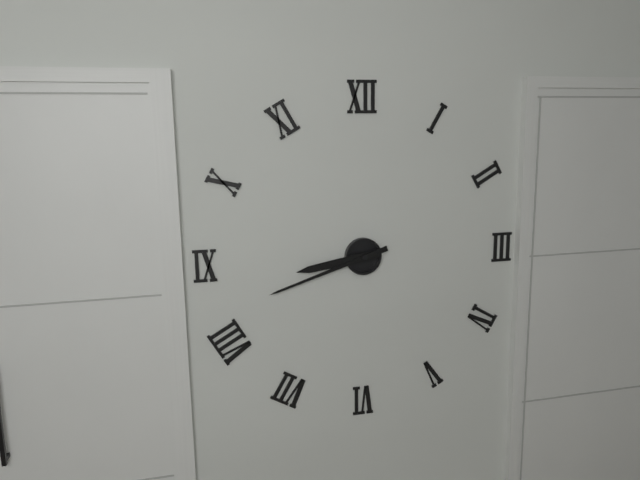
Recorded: 8h42
